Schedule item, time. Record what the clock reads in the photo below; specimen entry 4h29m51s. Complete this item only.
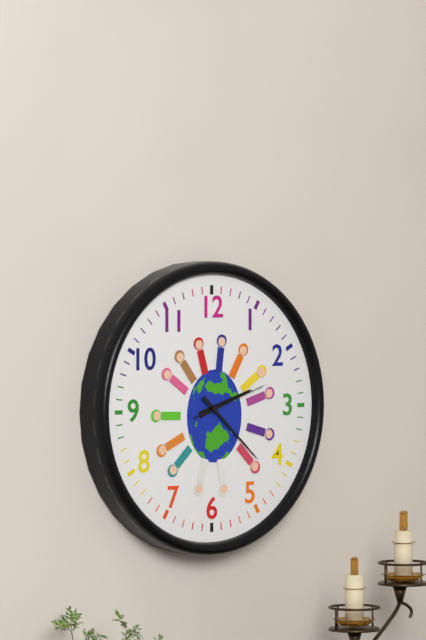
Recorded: 2h22m12s
